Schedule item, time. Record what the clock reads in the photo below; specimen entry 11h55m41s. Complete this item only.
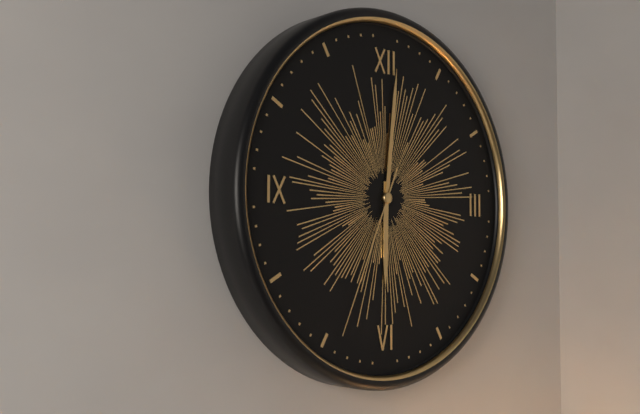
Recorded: 6h01m34s
